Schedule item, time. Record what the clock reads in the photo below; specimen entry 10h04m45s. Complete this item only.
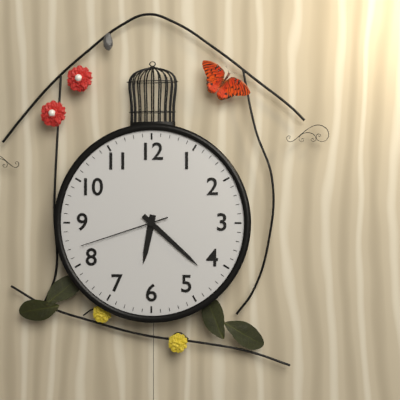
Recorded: 6h22m42s
